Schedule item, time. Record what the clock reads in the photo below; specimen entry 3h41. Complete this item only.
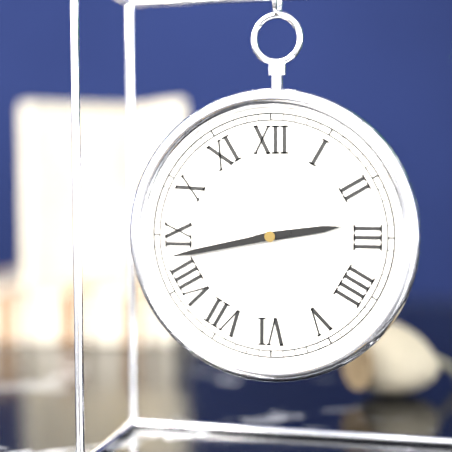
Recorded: 2h43
